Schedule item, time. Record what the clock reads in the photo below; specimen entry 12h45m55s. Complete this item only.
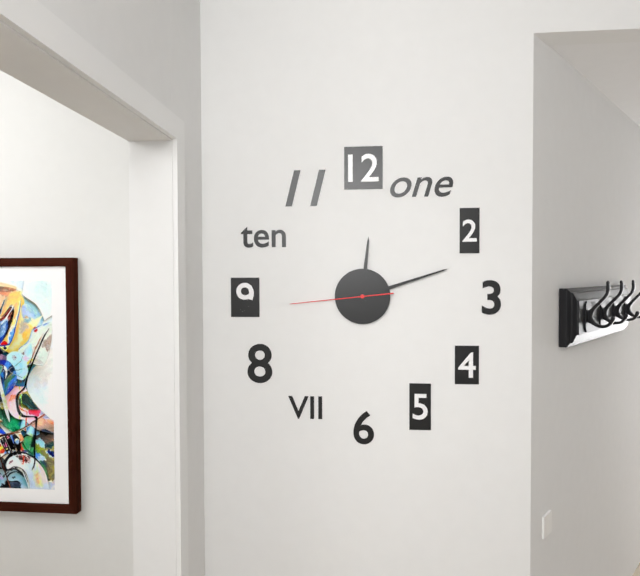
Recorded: 12h12m44s
